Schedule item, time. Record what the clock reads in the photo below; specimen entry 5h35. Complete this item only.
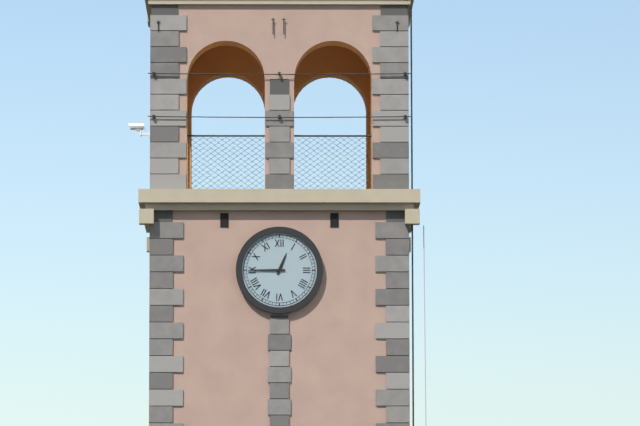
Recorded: 12h45
